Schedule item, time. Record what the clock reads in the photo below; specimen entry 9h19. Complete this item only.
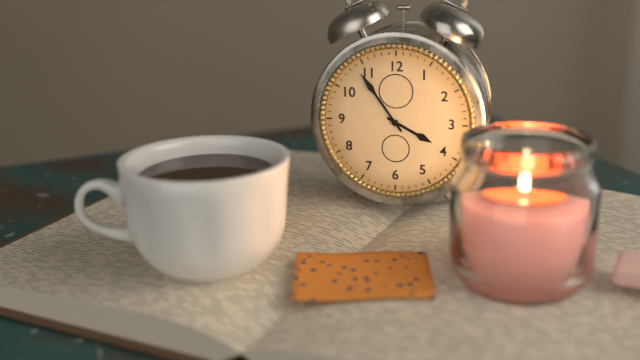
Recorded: 3h54
